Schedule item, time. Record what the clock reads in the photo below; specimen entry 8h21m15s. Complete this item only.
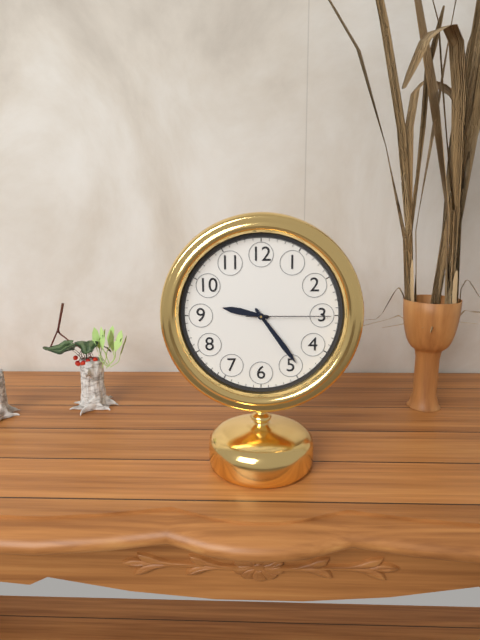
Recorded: 9h24m15s
